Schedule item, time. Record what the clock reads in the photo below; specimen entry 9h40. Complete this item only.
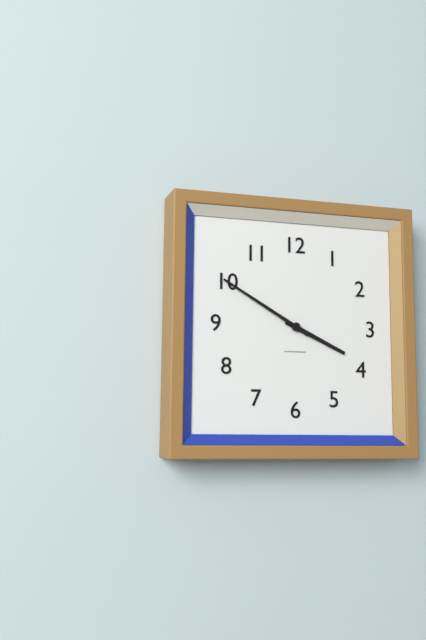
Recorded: 3h50
